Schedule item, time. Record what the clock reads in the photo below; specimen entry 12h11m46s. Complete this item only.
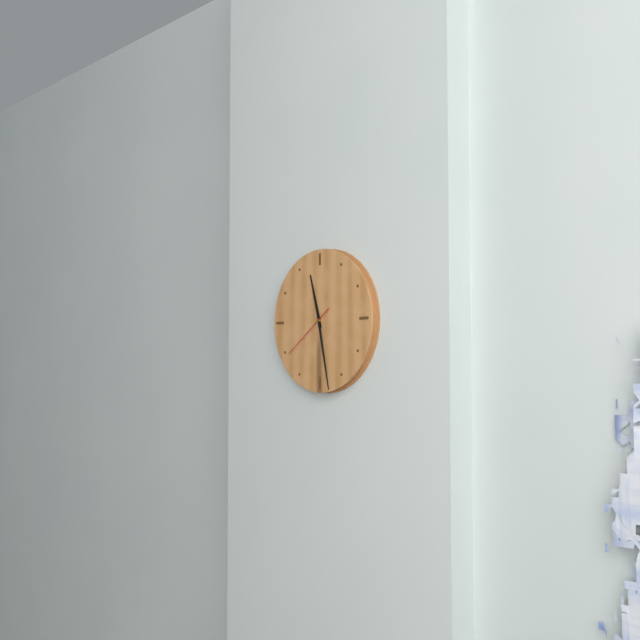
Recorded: 11h28m39s
